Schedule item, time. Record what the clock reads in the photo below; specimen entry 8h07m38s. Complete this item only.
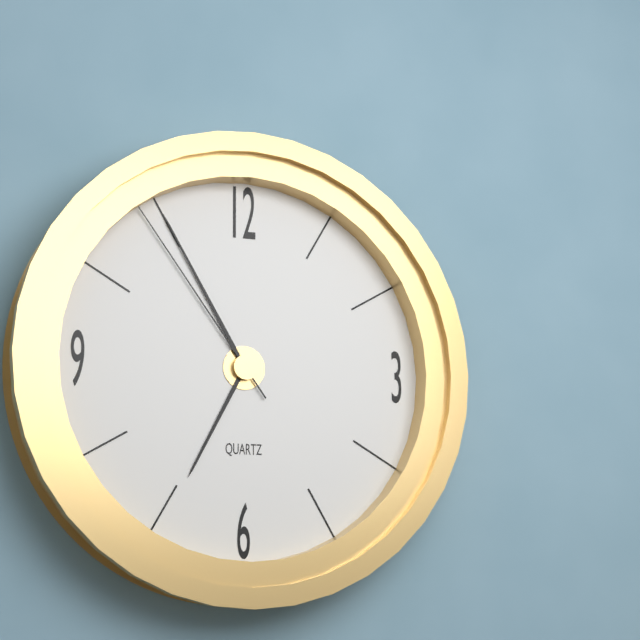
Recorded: 6h55m54s
